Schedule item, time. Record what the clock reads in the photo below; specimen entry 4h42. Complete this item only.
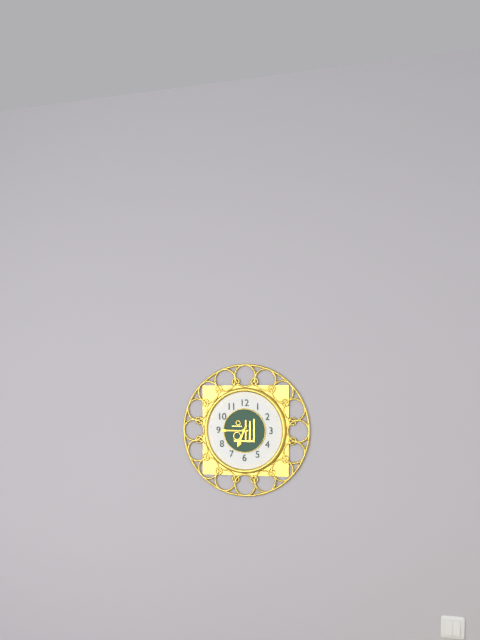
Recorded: 6h45
